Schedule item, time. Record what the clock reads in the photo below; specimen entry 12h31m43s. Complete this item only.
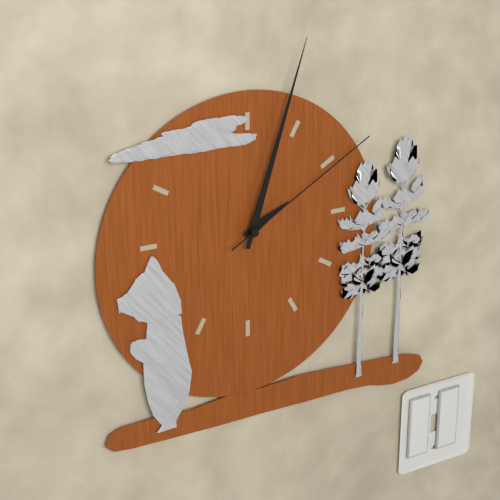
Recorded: 2h03m10s
